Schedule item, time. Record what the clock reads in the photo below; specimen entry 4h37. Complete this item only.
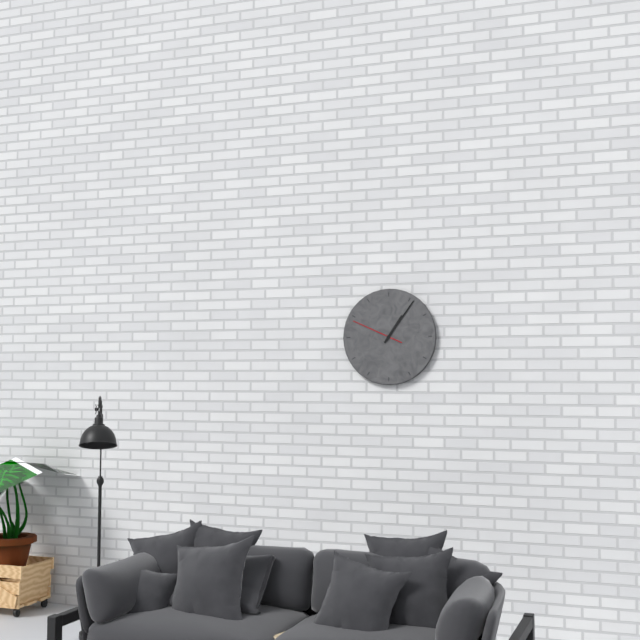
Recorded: 1h06
